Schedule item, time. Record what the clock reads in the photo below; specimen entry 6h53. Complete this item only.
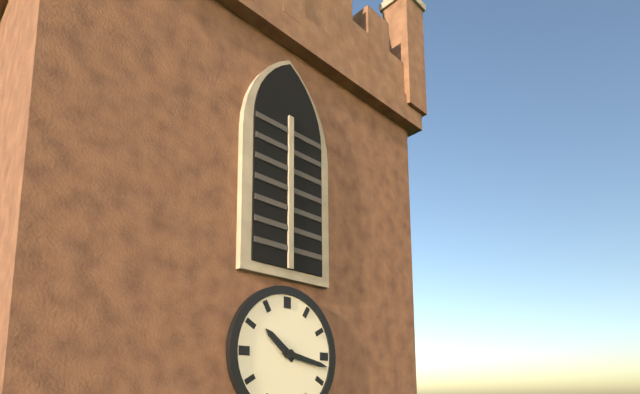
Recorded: 10h17
